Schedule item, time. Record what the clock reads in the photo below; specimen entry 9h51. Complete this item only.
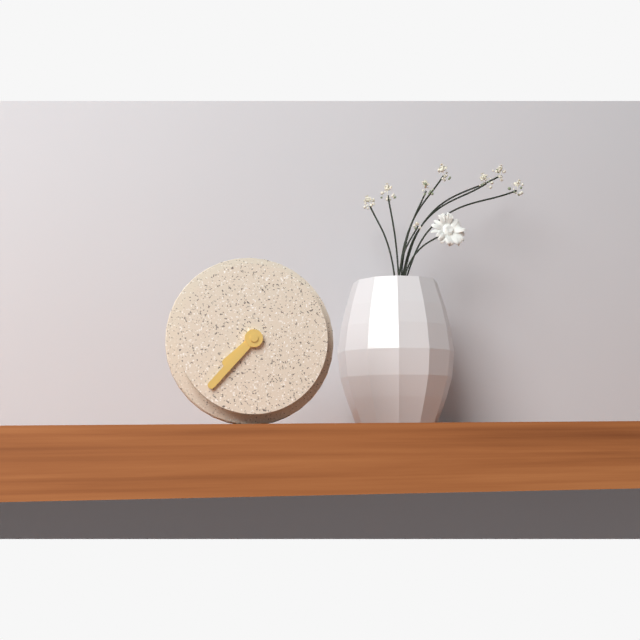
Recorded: 7h37
